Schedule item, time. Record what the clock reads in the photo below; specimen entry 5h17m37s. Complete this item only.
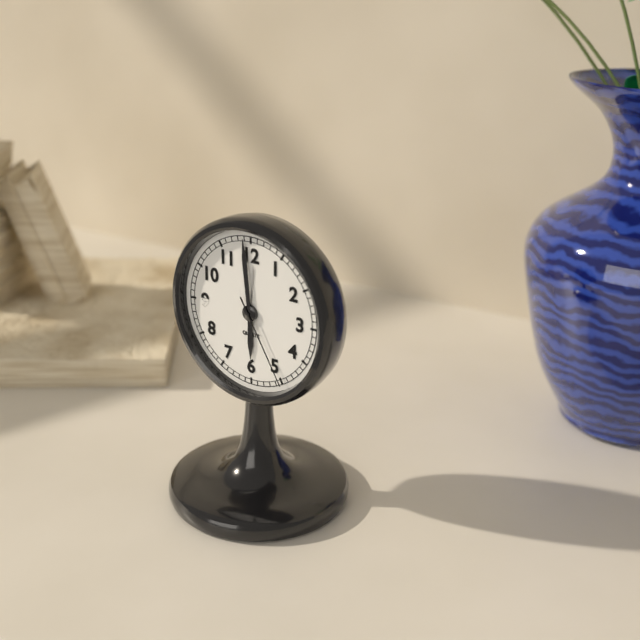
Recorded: 5h59m25s
